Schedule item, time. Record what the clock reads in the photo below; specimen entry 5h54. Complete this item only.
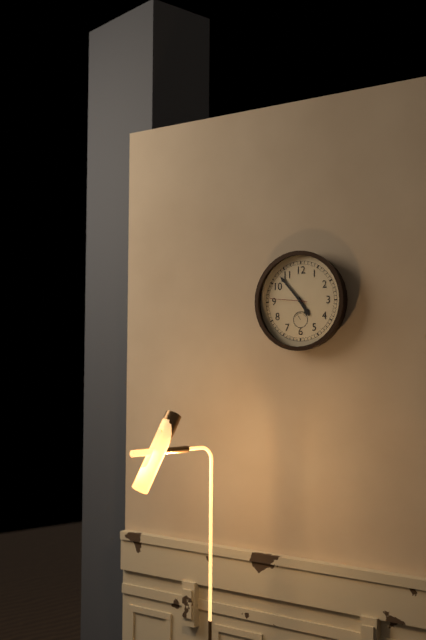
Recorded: 4h53
